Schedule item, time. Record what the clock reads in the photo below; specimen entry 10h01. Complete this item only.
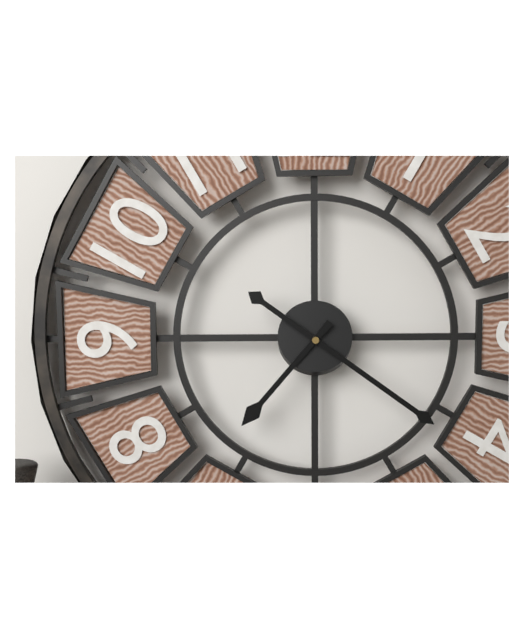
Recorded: 7h21
